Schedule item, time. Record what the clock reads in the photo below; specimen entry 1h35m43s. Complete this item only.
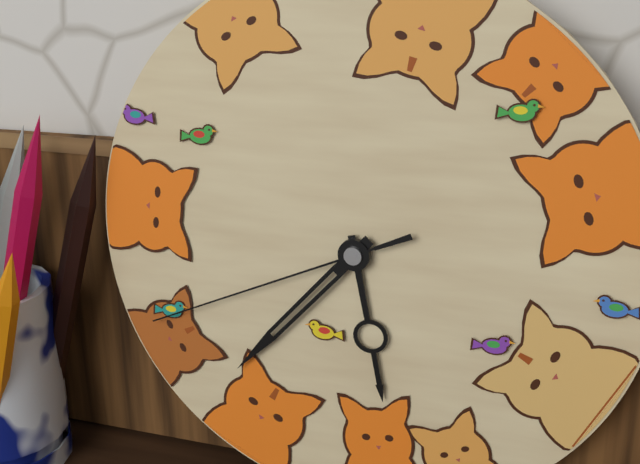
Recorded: 5h37m41s
